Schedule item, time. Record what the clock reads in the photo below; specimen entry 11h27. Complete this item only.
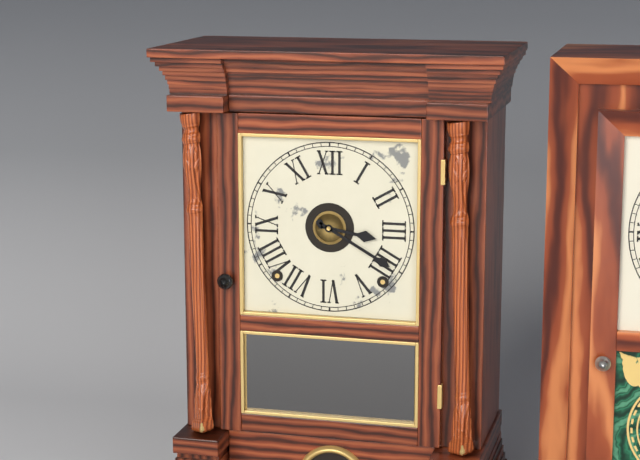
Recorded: 3h20
